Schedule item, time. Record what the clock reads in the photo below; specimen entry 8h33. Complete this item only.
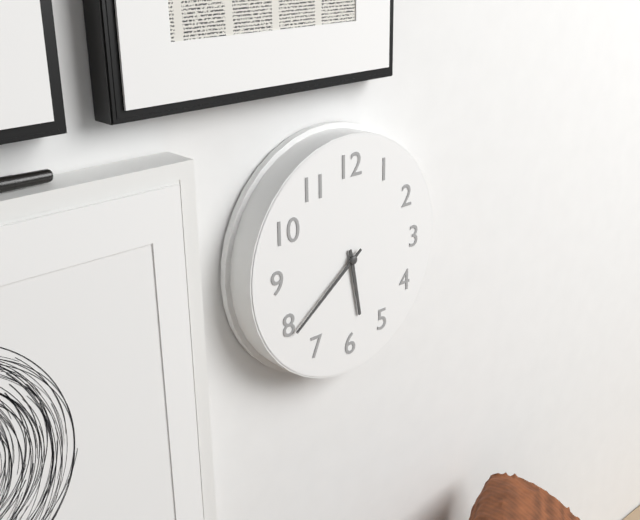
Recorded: 5h39
